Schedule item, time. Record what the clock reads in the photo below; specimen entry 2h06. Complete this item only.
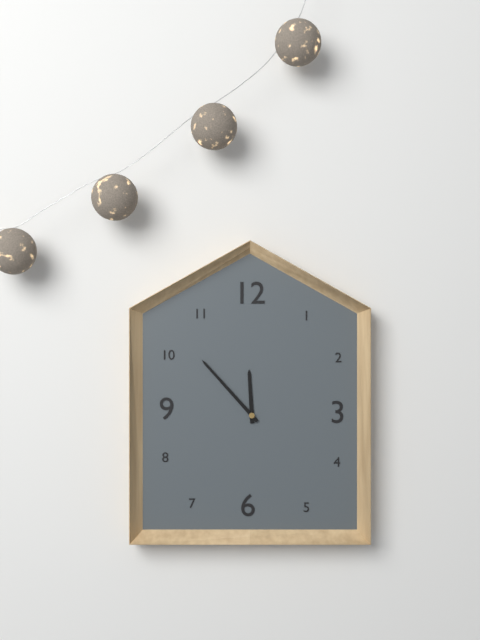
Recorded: 11h53
